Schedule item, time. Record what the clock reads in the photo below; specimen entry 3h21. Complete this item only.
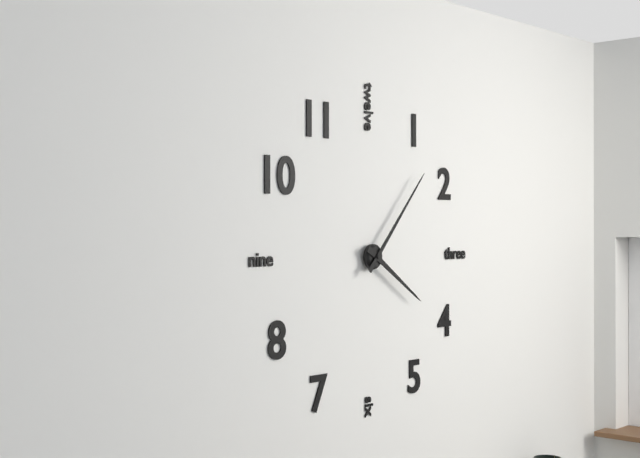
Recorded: 4h07
